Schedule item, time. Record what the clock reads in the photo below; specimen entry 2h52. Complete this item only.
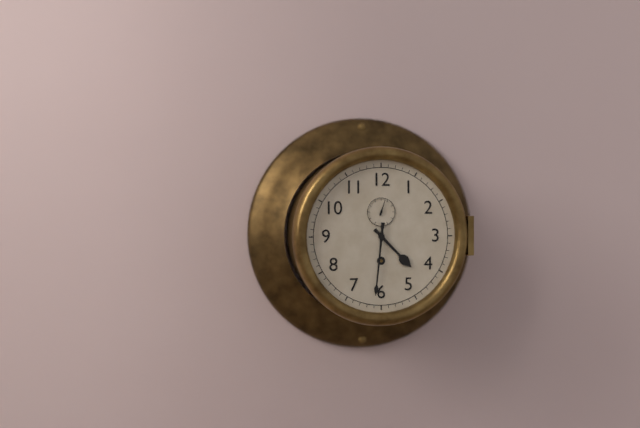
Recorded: 4h31
